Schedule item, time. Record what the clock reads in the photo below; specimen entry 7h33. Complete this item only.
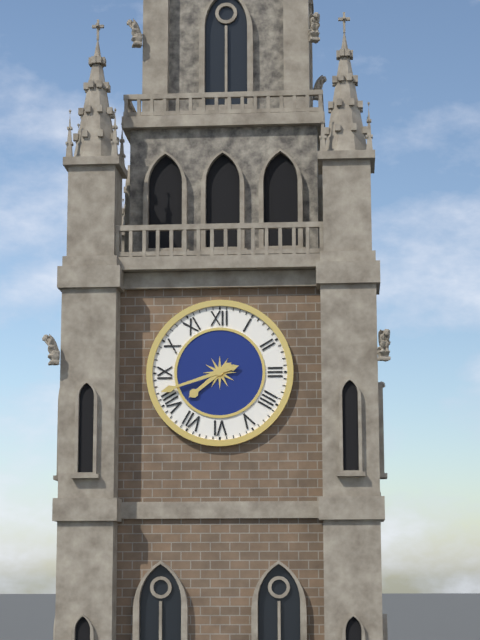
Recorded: 7h42
